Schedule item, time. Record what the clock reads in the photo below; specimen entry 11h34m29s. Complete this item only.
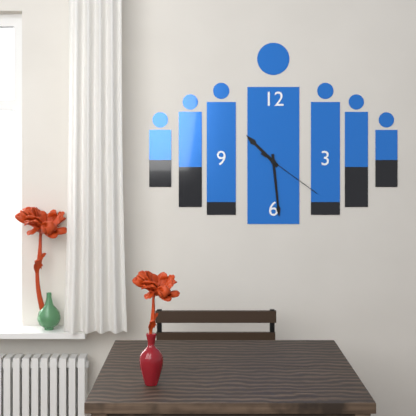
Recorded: 10h29m21s
